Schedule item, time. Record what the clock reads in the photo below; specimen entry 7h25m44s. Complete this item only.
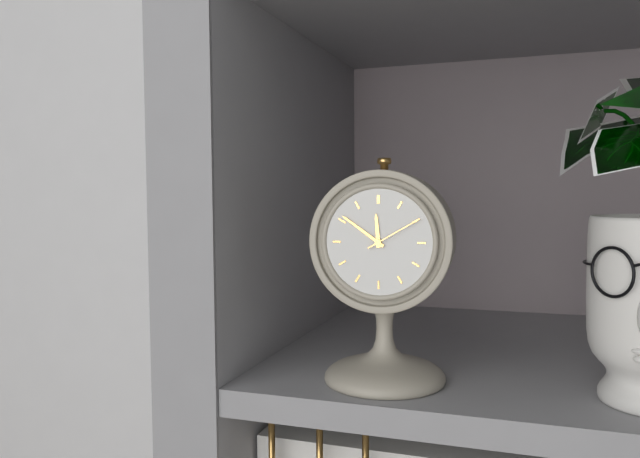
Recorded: 11h51m10s
